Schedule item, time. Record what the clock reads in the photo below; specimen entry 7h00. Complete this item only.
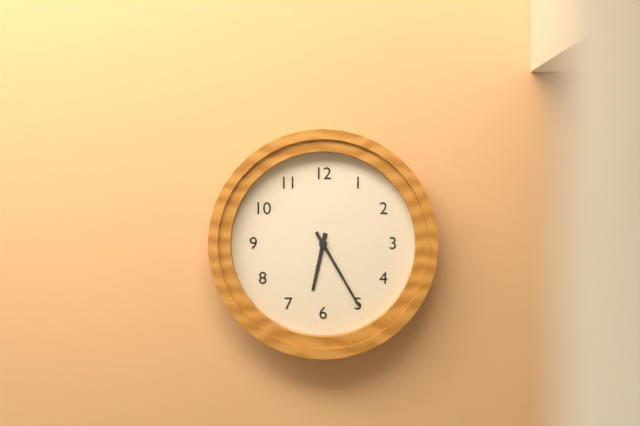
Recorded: 6h25
